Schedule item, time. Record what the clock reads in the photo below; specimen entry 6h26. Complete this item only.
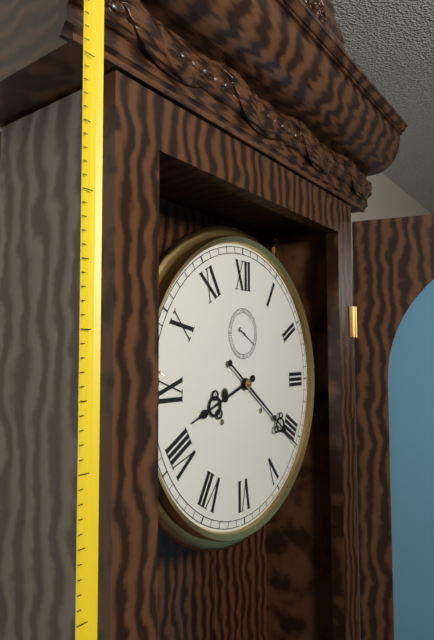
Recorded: 8h21
